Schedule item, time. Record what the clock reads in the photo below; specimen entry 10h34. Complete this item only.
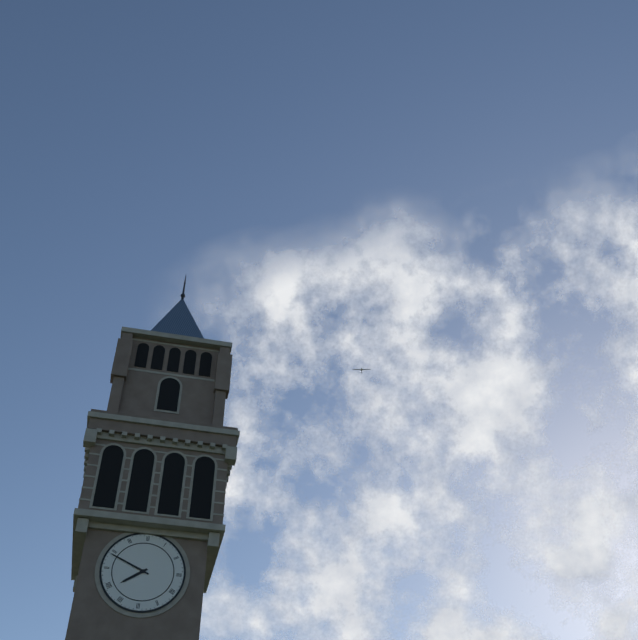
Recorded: 7h49
